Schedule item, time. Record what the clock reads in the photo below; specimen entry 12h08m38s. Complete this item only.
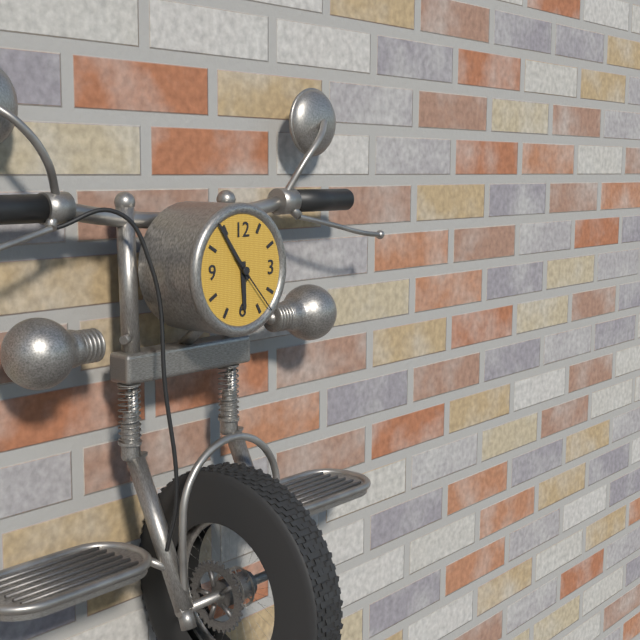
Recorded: 5h54m23s
